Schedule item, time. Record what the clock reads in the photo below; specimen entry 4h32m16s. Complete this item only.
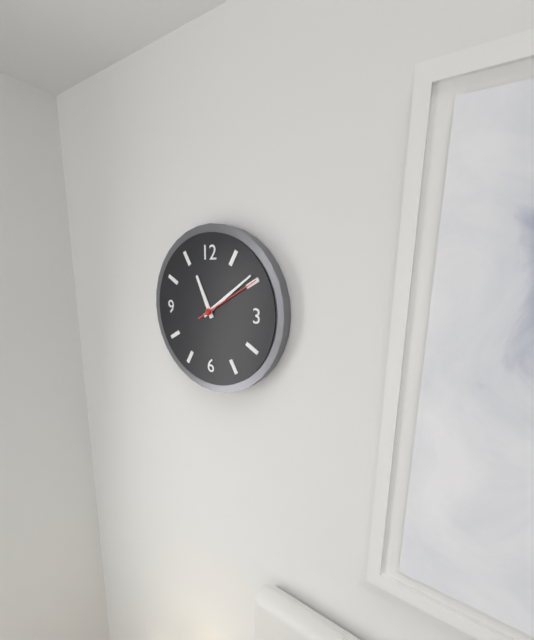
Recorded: 11h09m10s
